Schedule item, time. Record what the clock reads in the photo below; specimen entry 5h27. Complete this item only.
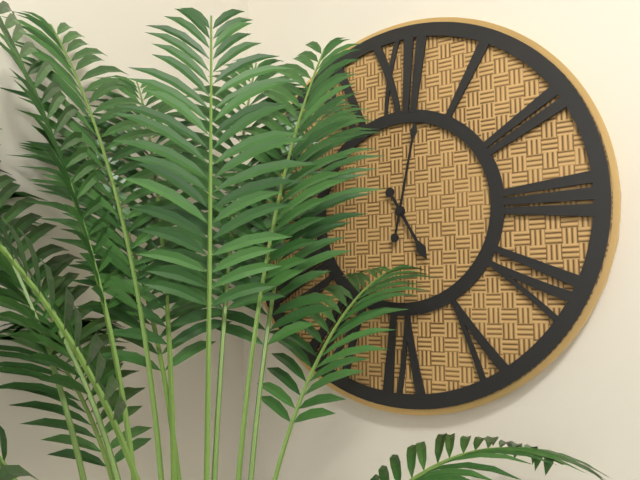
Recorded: 5h02
